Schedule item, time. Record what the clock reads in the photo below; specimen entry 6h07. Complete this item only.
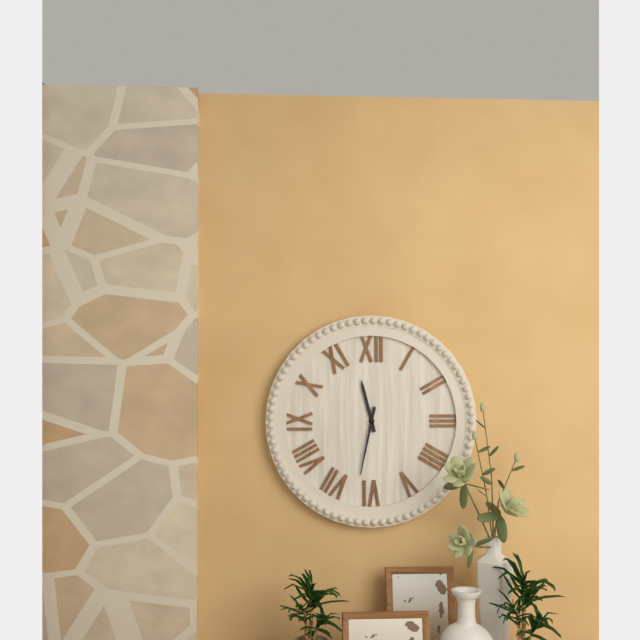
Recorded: 11h32
